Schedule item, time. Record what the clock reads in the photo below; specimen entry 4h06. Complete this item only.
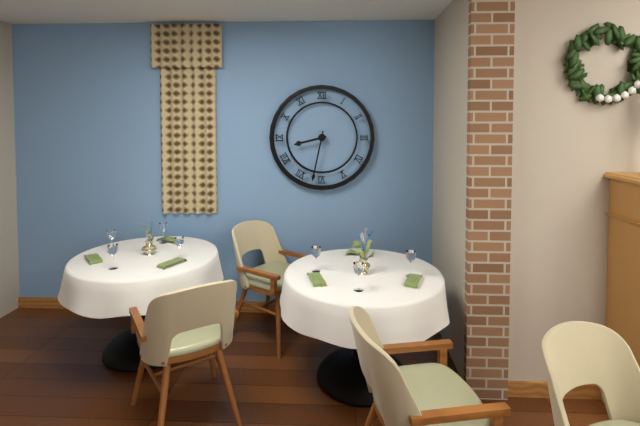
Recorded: 8h32
